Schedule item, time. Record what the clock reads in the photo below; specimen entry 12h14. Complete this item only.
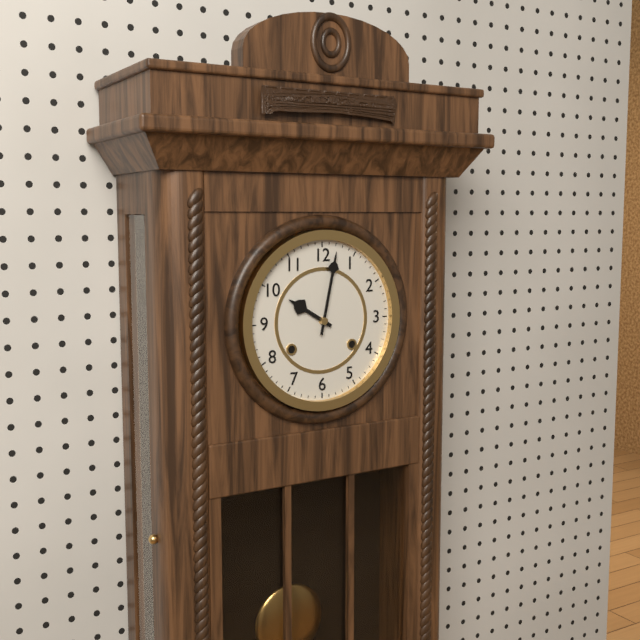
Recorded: 10h02
